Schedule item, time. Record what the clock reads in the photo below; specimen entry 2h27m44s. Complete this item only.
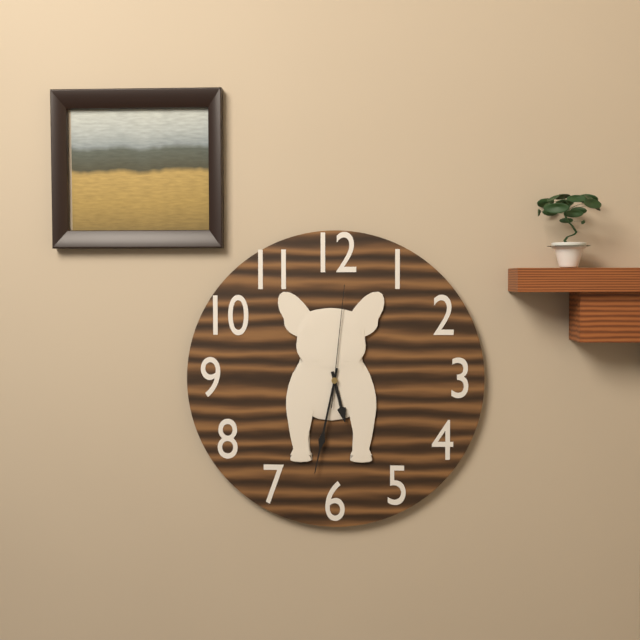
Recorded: 5h32m01s
